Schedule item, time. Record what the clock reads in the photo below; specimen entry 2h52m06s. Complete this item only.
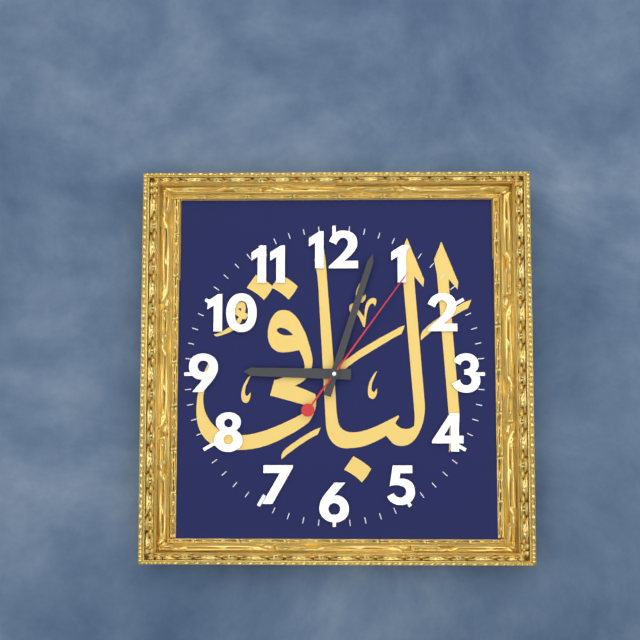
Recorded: 9h03m06s
